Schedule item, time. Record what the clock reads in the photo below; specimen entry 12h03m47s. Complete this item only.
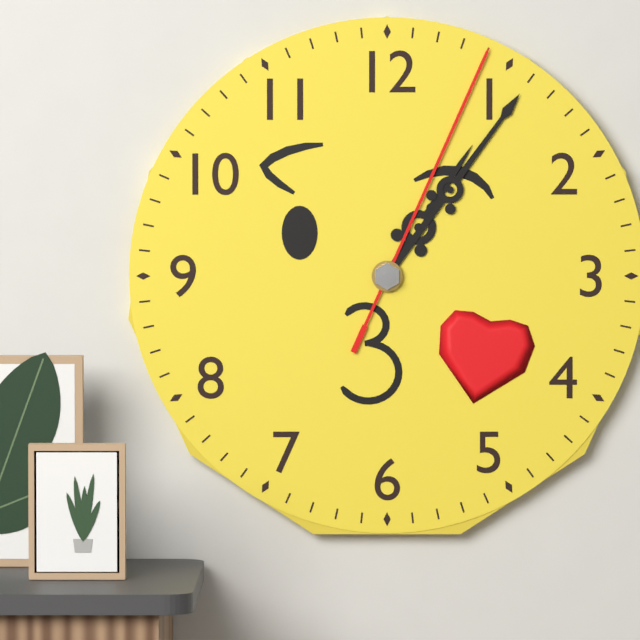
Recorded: 1h06m04s
